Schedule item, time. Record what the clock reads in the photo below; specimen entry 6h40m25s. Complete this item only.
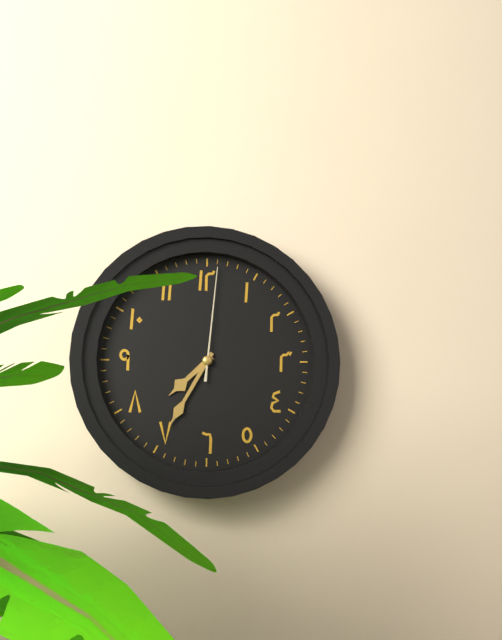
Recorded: 7h35m01s
